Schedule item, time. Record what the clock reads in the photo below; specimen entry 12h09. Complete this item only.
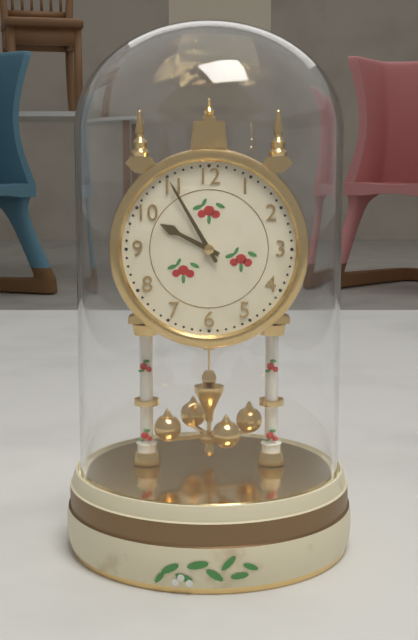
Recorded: 9h55
